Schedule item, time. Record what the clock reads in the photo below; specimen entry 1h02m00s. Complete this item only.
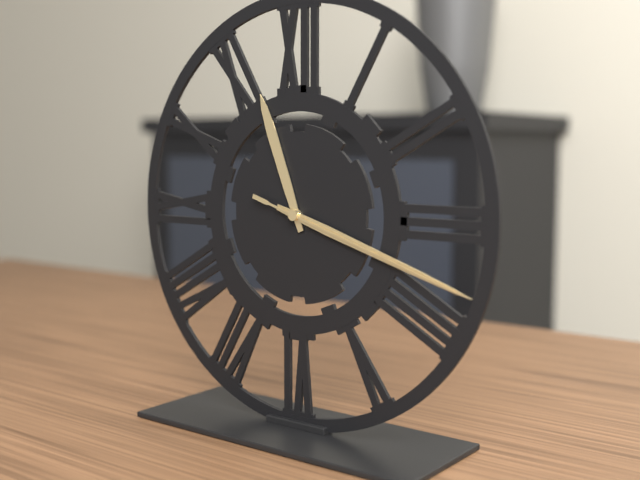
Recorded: 11h18m18s
